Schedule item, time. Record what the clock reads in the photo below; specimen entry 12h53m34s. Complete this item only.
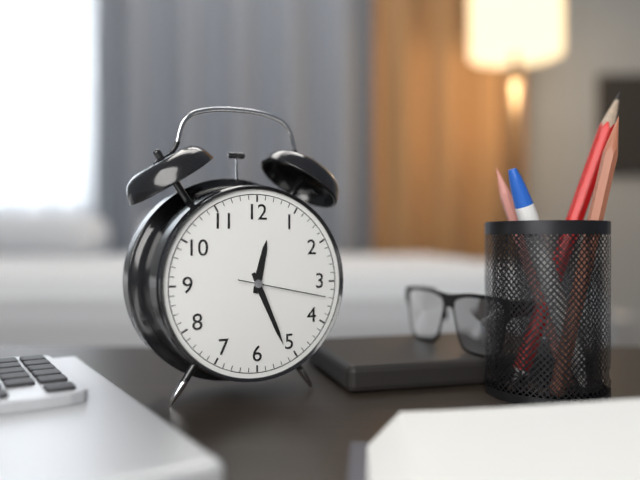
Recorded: 12h26m17s
